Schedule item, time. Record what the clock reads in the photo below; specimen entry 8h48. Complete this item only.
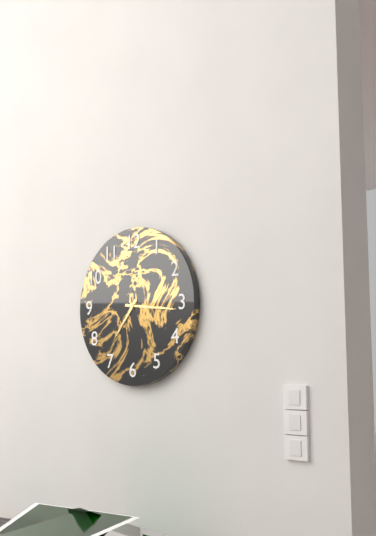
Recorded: 7h16
